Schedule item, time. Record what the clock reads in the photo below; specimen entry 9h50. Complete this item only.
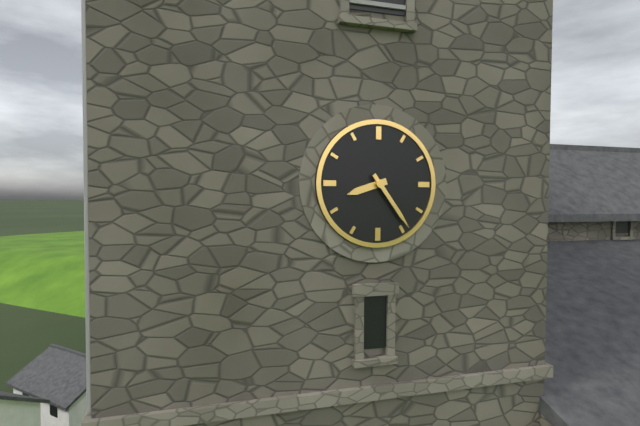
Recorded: 8h24
